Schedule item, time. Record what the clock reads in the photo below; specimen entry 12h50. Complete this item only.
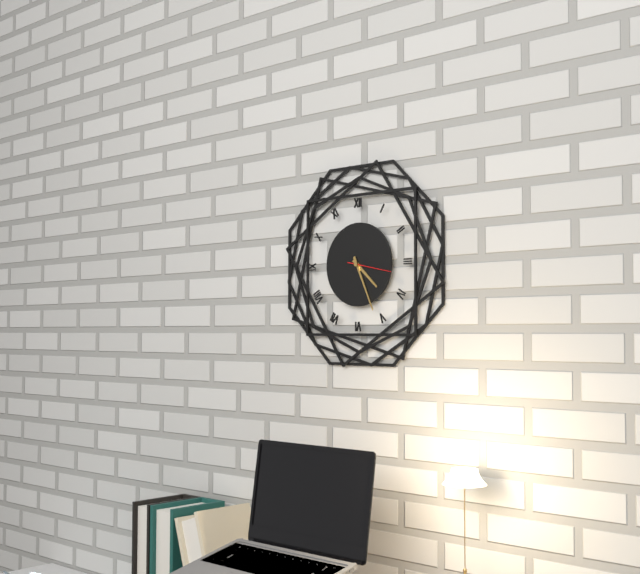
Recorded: 4h26
